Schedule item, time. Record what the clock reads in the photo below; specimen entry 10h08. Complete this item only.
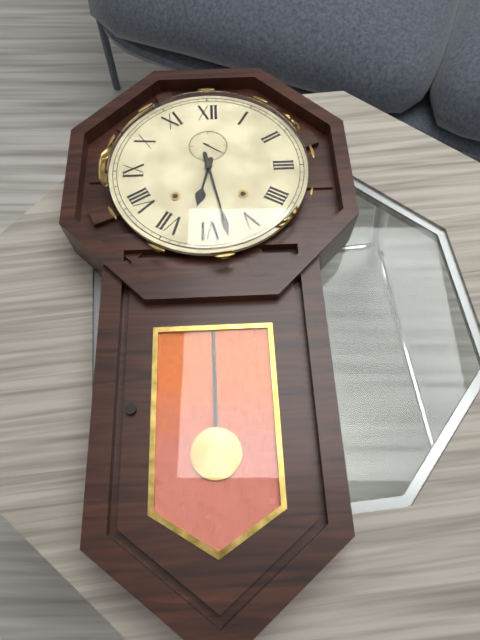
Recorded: 6h28
